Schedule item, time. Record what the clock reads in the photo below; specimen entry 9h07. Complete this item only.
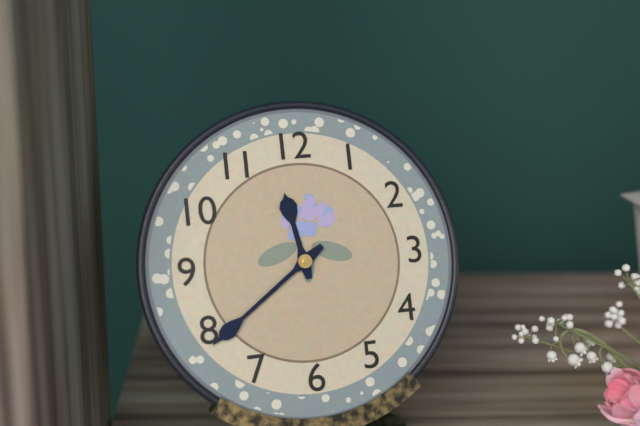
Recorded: 11h39
